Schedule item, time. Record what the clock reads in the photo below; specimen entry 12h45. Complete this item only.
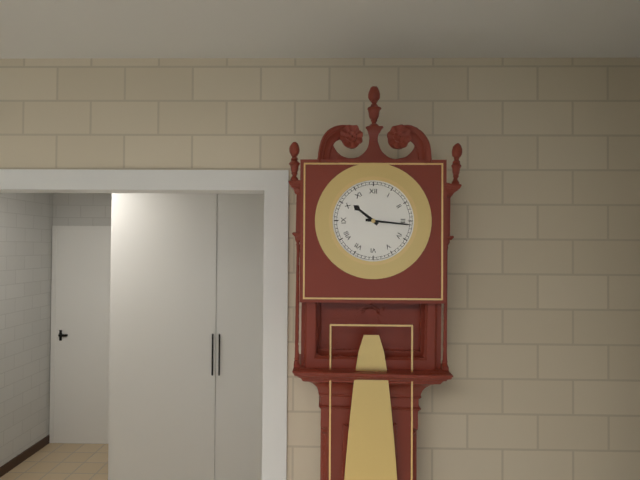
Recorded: 10h16
